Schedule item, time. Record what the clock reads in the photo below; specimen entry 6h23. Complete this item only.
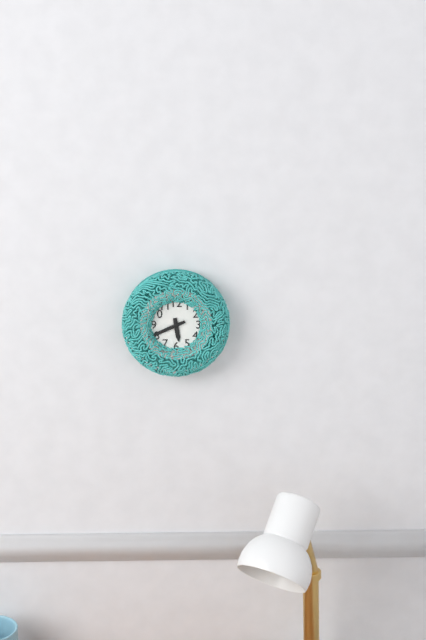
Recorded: 5h41
